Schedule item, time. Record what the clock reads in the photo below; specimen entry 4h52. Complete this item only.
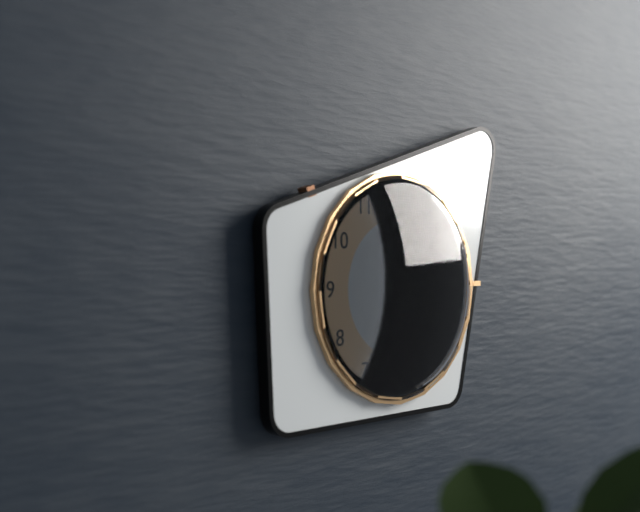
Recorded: 3h01
